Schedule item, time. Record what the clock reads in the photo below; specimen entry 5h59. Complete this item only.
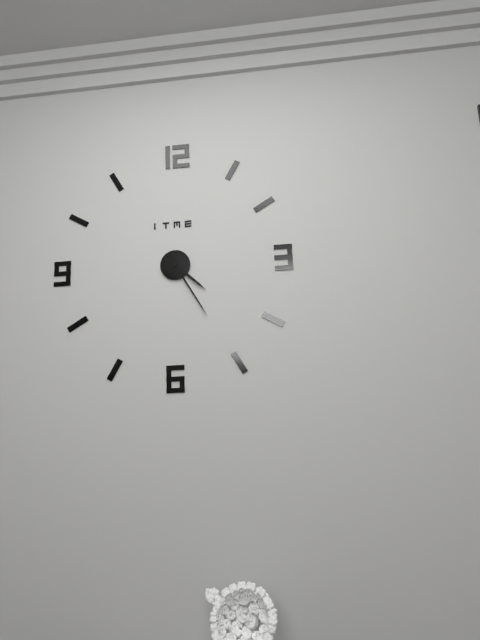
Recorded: 4h25
